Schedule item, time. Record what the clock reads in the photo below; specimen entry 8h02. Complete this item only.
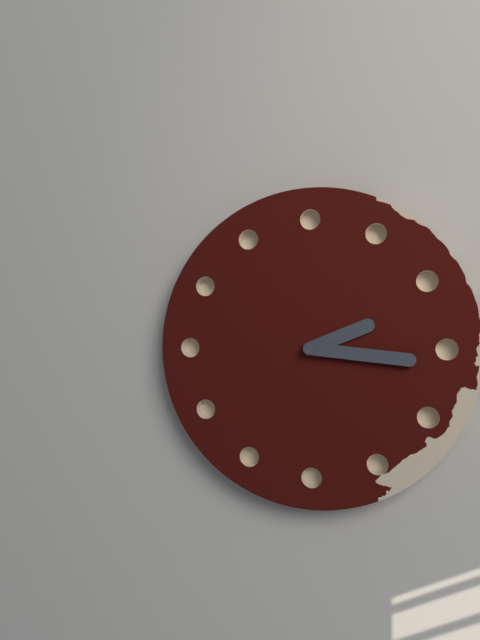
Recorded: 2h16
